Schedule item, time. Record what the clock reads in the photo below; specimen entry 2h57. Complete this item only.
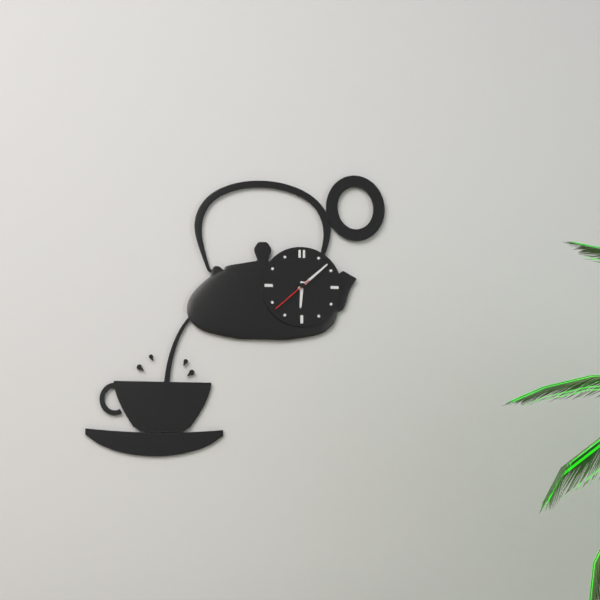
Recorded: 6h08
